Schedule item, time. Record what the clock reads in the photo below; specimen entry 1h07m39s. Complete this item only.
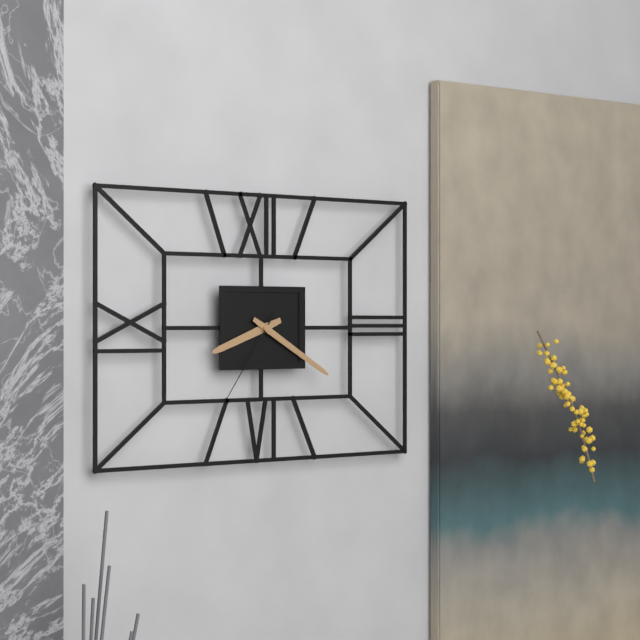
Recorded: 8h20m36s
